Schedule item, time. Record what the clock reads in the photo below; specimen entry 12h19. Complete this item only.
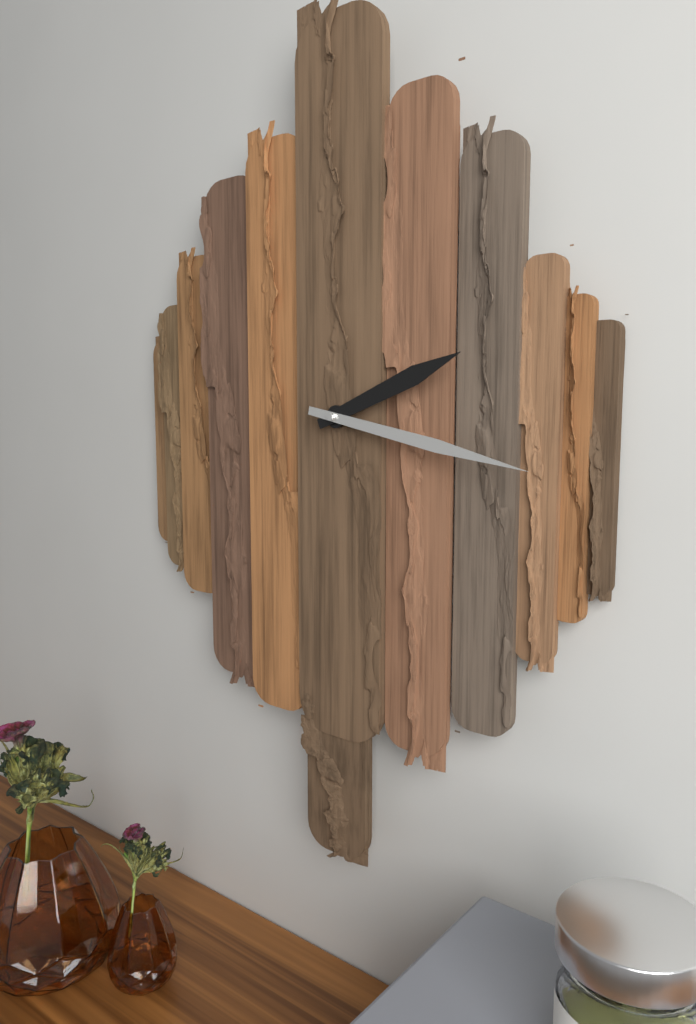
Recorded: 2h17
